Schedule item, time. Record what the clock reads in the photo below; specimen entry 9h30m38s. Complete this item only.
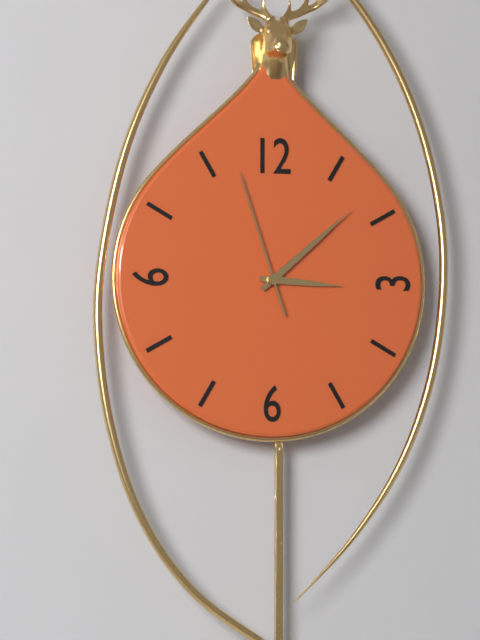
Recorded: 3h08m57s
